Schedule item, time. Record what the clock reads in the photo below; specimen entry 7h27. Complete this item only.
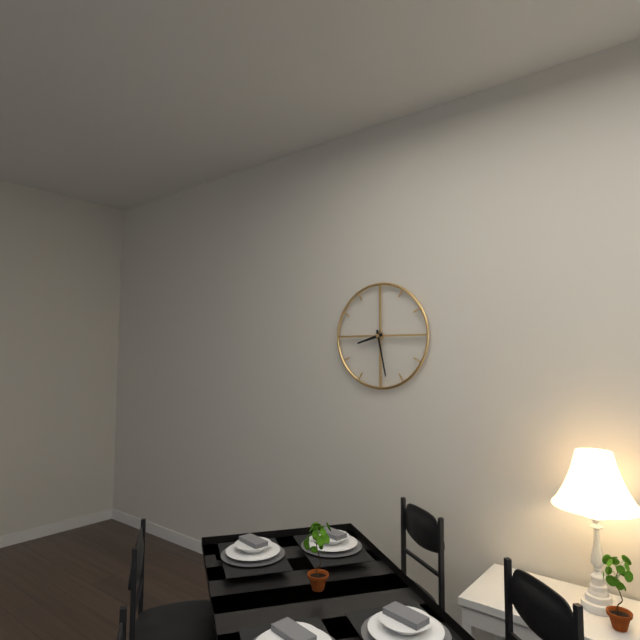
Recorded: 8h28
